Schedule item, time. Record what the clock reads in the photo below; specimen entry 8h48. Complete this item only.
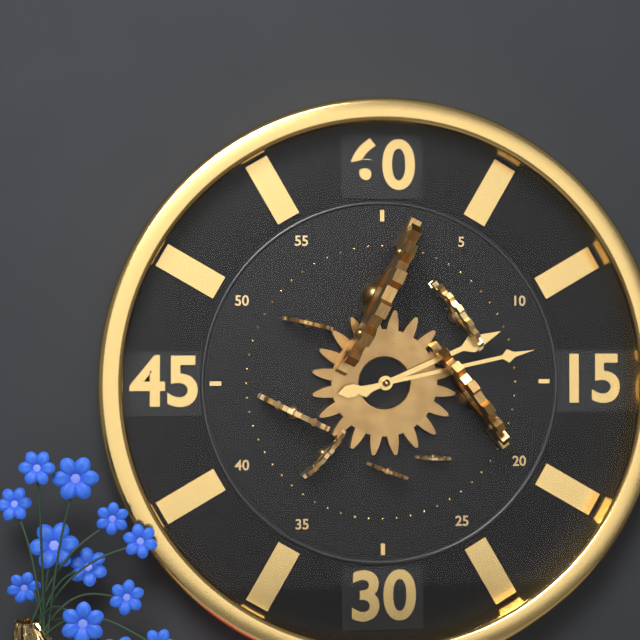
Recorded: 2h13
